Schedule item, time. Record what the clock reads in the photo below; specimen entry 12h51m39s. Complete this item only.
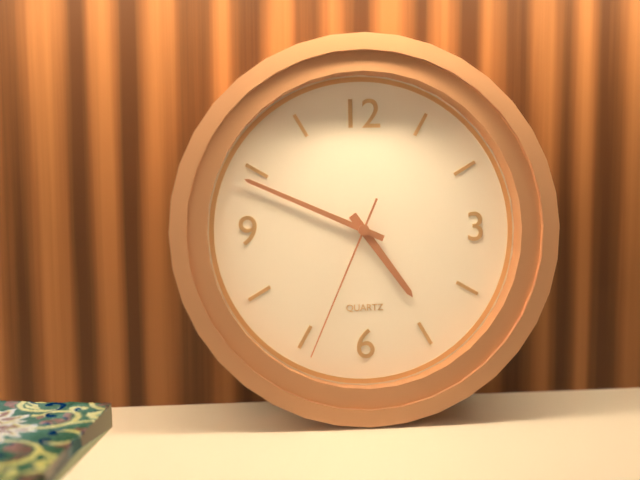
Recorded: 4h49m34s
